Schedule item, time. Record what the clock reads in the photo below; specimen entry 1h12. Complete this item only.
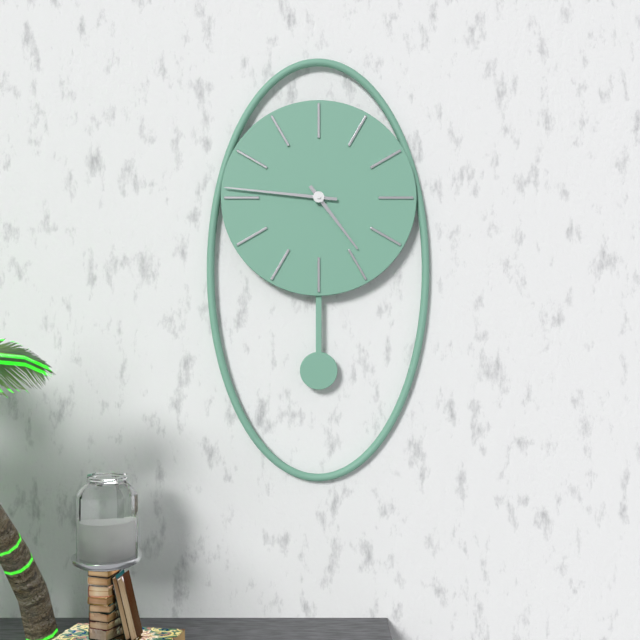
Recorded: 4h46
